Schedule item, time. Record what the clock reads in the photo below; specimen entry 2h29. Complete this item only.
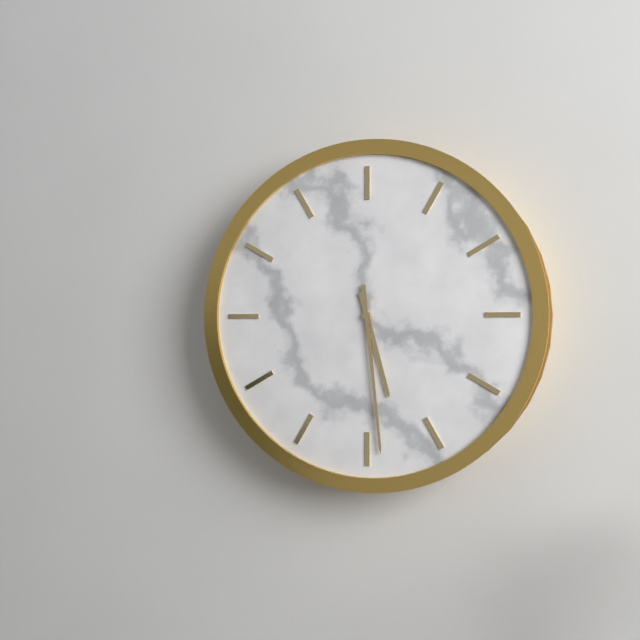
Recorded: 5h29
